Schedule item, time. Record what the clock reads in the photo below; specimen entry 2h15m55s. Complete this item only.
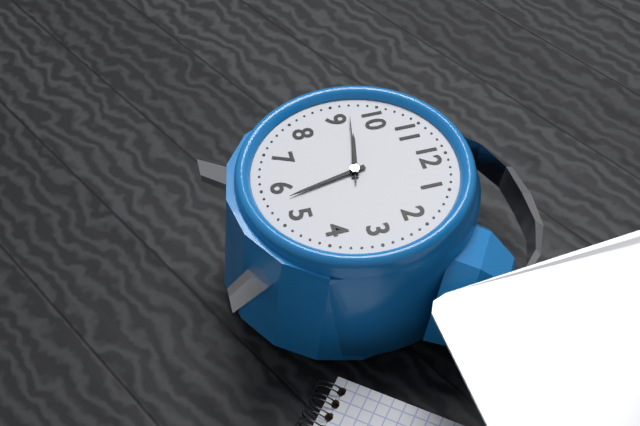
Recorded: 9h28m47s
